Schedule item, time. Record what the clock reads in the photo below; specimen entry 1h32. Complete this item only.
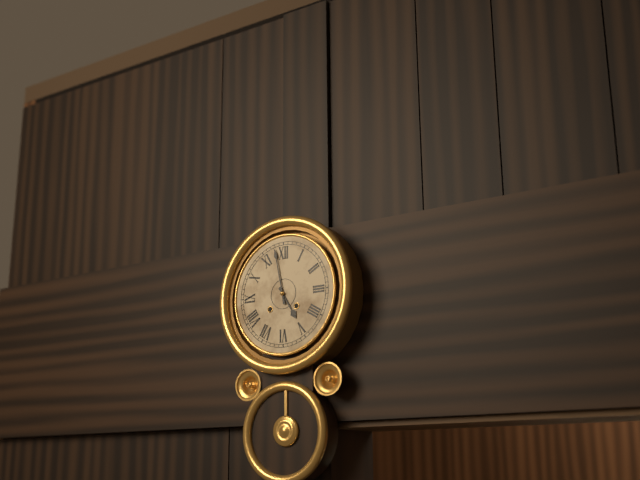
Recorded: 4h58
